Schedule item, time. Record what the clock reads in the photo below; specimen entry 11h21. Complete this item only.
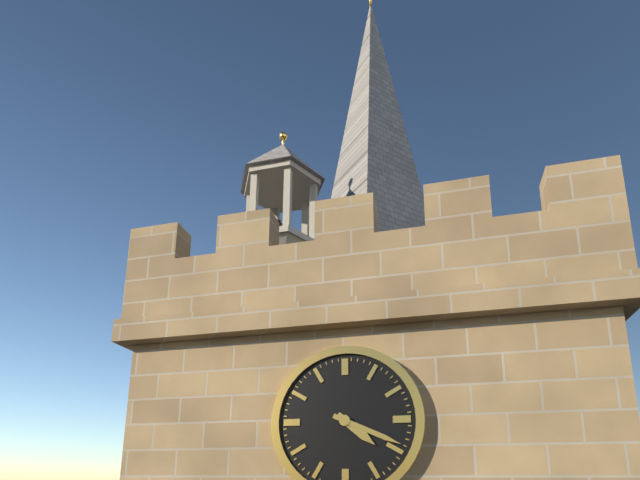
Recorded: 4h19
